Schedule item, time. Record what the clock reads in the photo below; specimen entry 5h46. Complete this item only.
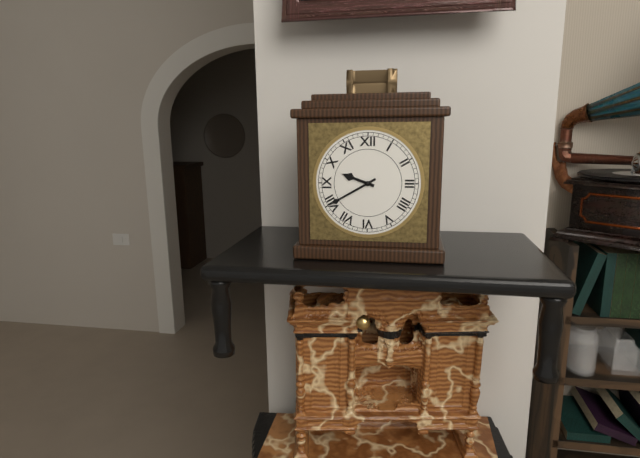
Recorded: 9h40
